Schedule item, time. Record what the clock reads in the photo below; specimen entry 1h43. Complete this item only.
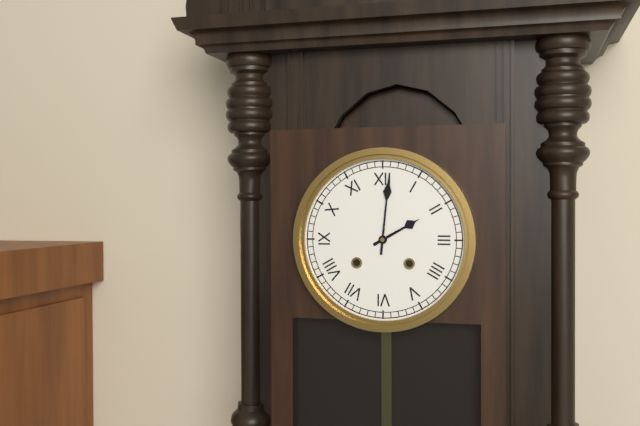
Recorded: 2h01
